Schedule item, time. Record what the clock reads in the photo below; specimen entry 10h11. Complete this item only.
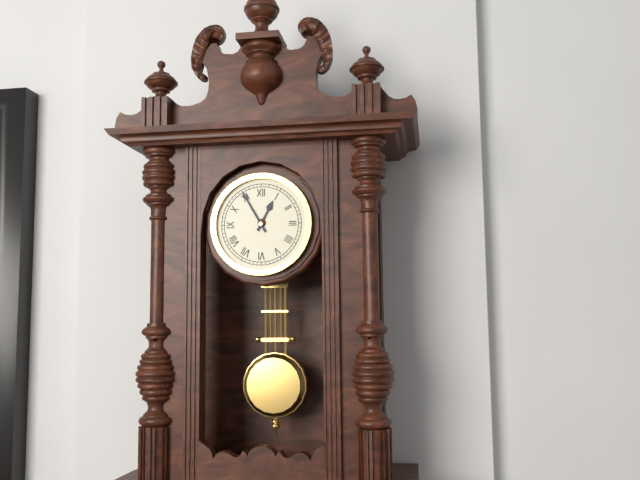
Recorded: 12h55
